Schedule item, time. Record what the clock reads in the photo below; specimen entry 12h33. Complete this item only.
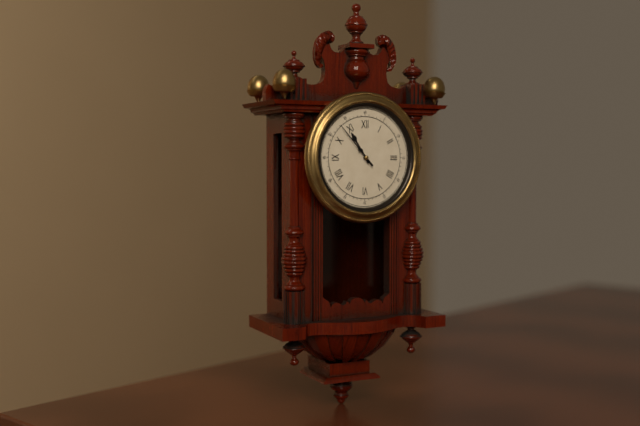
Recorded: 10h53
